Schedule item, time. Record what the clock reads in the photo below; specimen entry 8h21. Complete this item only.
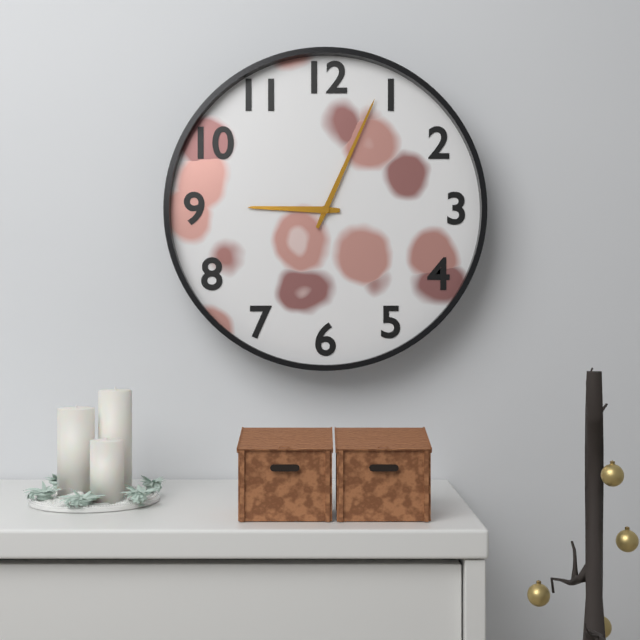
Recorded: 9h04
